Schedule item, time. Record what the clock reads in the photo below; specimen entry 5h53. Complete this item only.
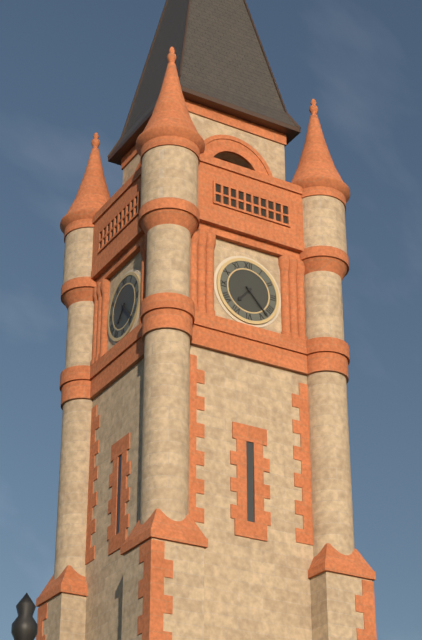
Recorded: 7h23
